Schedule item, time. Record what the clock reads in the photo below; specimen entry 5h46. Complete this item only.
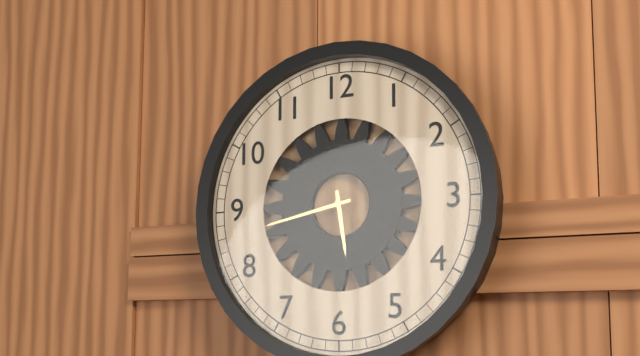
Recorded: 5h43
